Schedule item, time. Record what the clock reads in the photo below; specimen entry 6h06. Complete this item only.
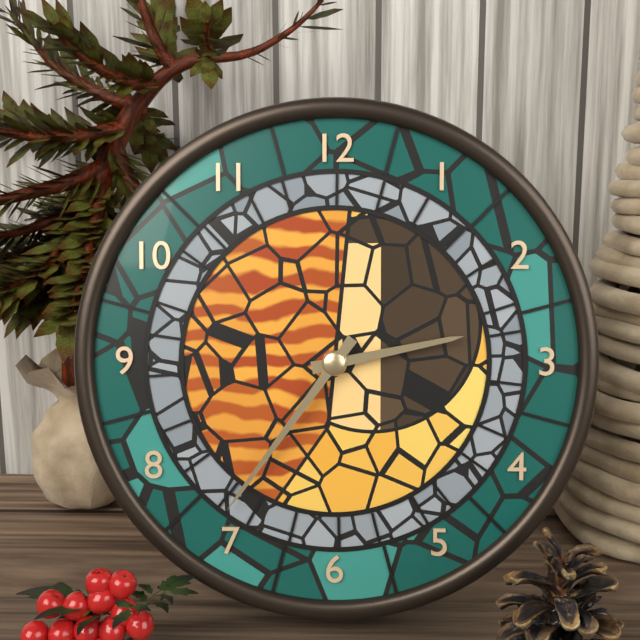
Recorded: 2h36
